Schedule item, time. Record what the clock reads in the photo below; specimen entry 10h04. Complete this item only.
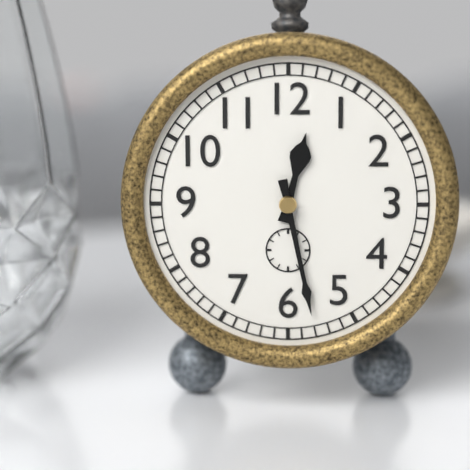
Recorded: 12h28
